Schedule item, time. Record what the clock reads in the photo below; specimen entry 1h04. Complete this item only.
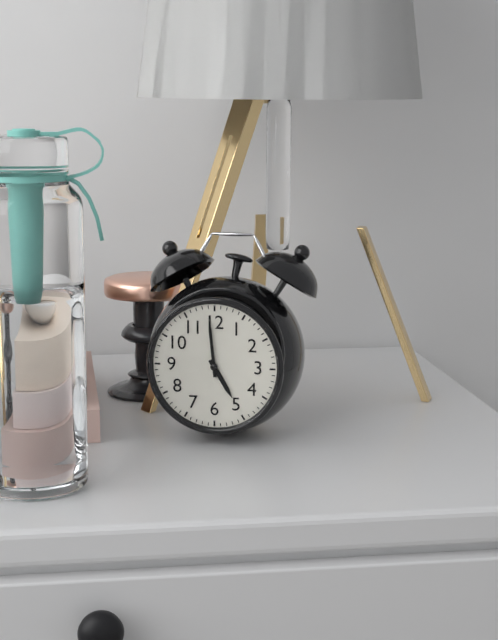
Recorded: 4h59
